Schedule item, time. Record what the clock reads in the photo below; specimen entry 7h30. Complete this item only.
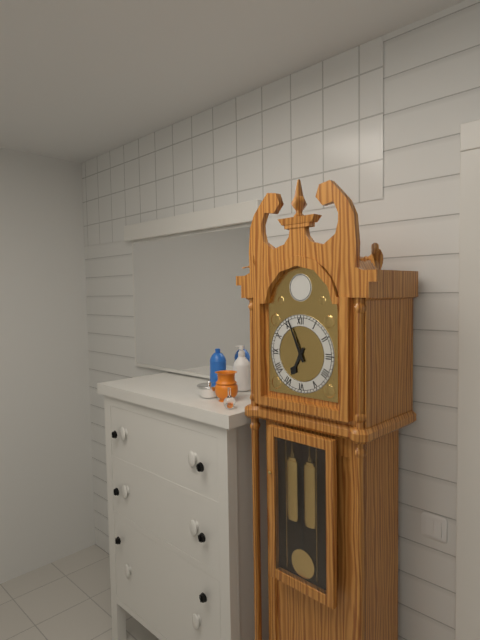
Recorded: 6h56
